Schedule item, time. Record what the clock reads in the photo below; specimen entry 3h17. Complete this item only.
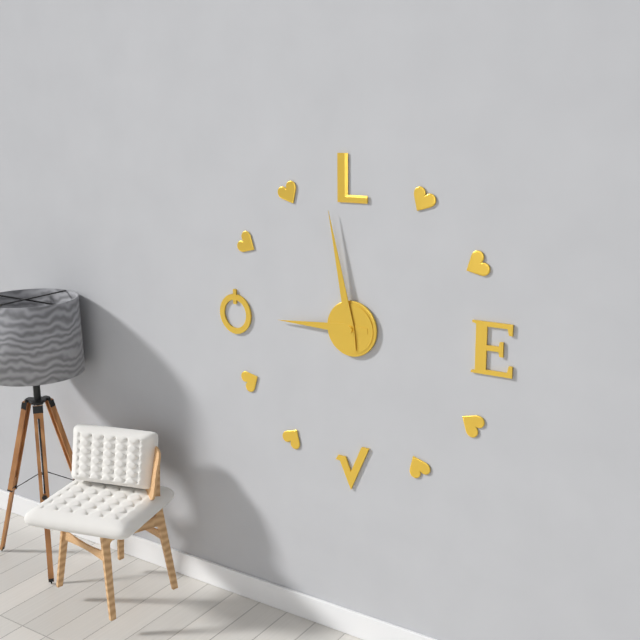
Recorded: 8h58
